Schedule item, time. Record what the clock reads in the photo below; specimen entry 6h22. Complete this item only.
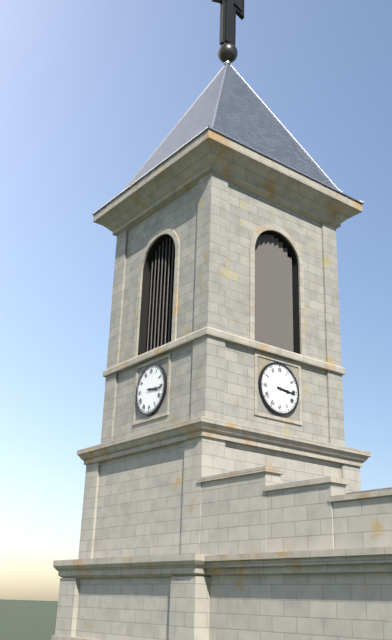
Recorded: 3h16
